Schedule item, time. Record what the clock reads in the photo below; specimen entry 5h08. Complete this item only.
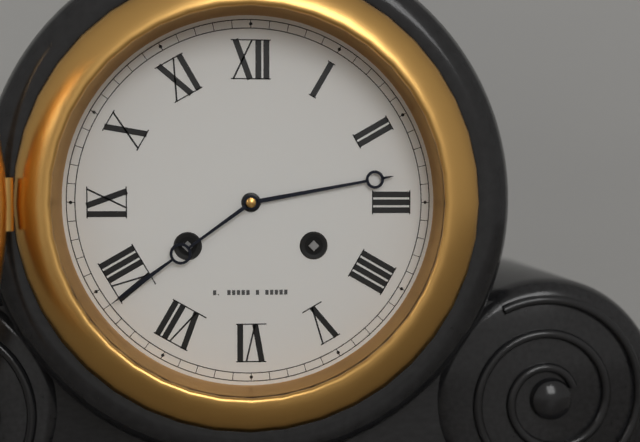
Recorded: 2h39
